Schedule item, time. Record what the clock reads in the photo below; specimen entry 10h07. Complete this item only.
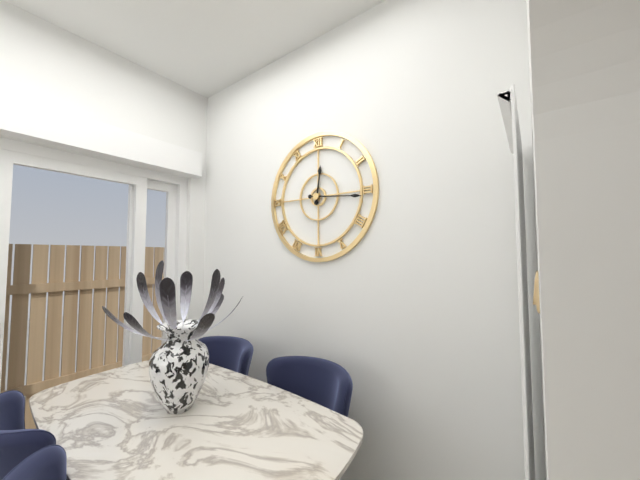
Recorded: 12h16
